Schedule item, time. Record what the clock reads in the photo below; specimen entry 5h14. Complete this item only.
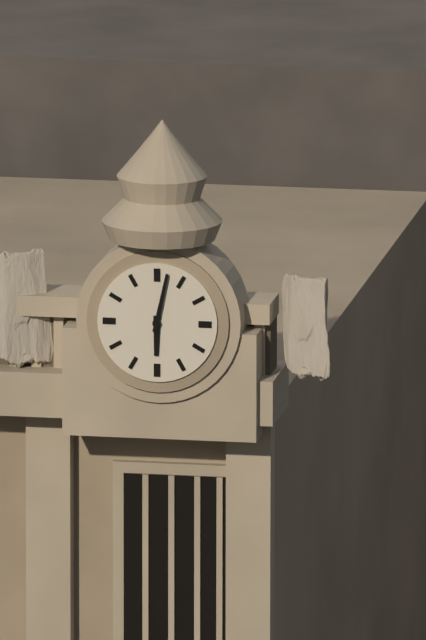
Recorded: 6h02
